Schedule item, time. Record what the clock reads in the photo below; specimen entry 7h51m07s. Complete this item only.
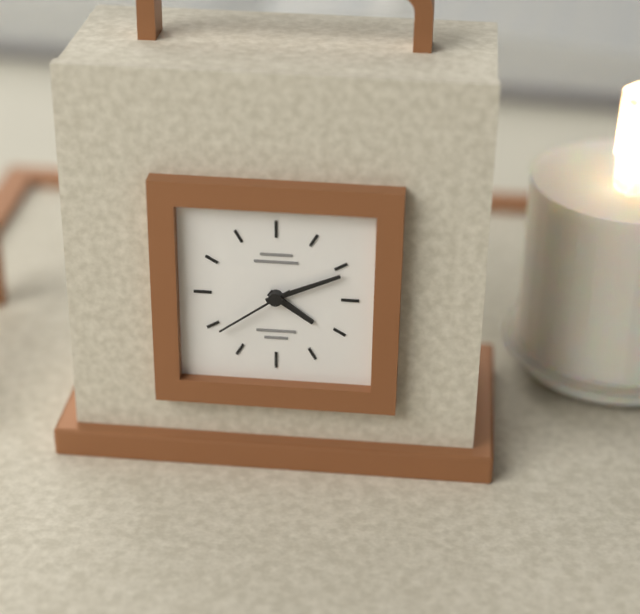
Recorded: 4h11m39s
